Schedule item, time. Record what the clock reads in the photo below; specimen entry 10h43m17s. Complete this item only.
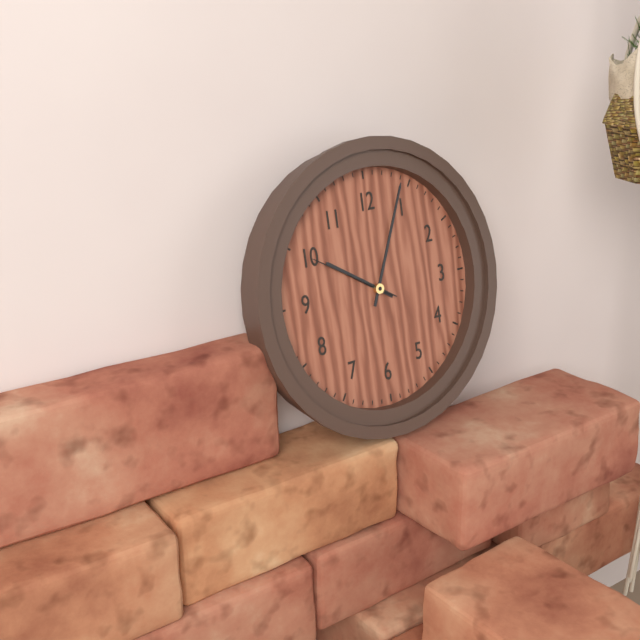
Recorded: 10h04m50s
